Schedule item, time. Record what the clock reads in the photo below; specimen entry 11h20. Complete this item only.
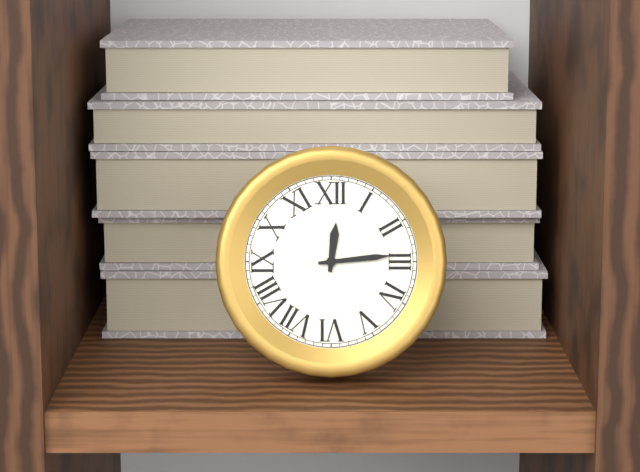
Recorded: 12h14
